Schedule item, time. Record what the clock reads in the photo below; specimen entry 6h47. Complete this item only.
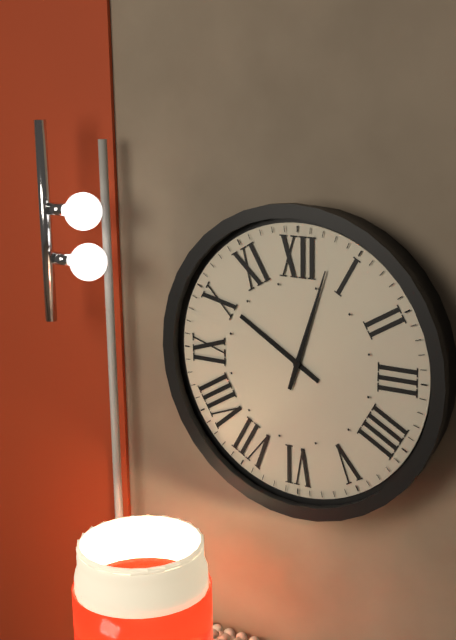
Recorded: 10h03
